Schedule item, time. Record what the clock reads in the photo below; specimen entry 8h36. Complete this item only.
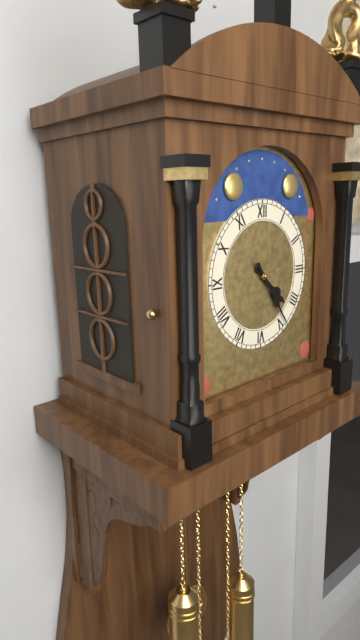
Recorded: 4h24
